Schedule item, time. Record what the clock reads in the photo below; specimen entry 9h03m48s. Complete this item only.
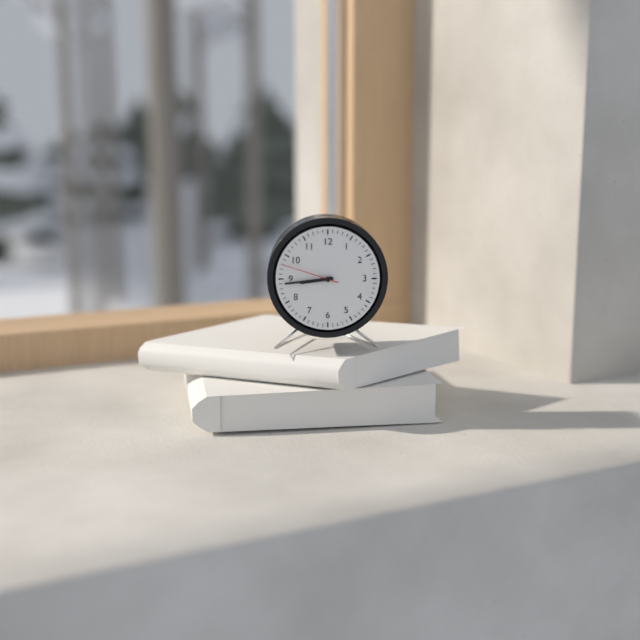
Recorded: 8h44m48s
